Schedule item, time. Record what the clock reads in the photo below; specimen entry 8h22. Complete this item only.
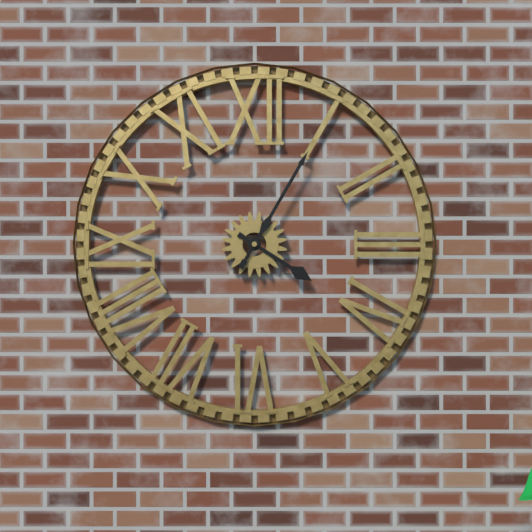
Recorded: 4h05
